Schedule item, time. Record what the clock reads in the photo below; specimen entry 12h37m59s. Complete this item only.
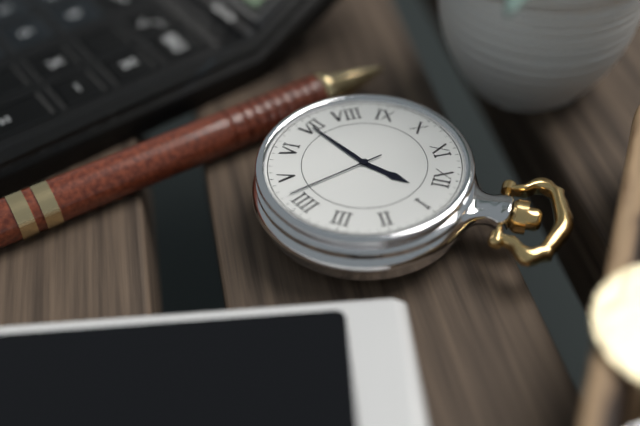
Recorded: 12h35m22s
